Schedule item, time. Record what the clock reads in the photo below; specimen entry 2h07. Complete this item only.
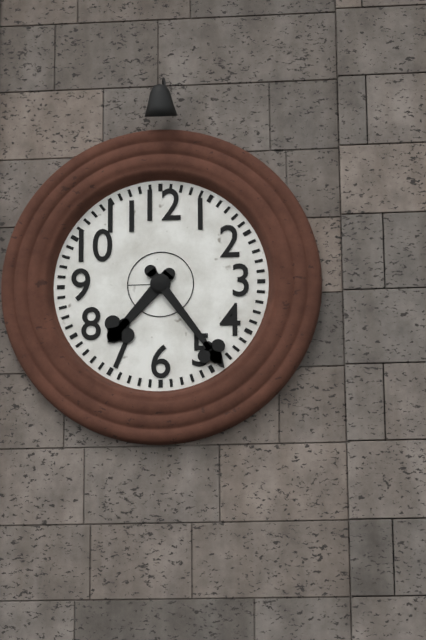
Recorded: 7h24
